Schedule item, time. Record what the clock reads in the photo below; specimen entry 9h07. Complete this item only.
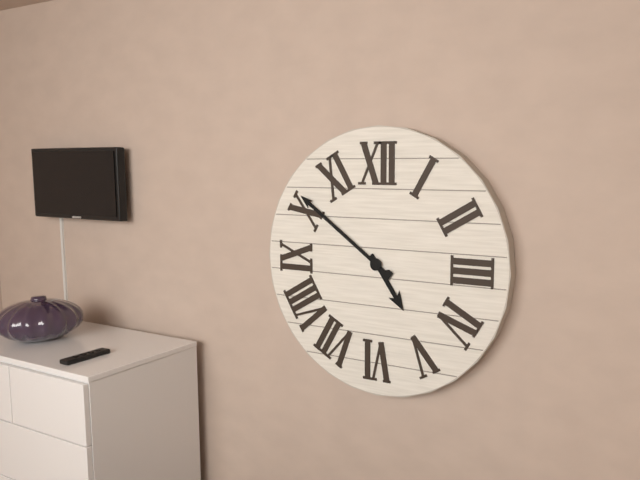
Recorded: 4h51
